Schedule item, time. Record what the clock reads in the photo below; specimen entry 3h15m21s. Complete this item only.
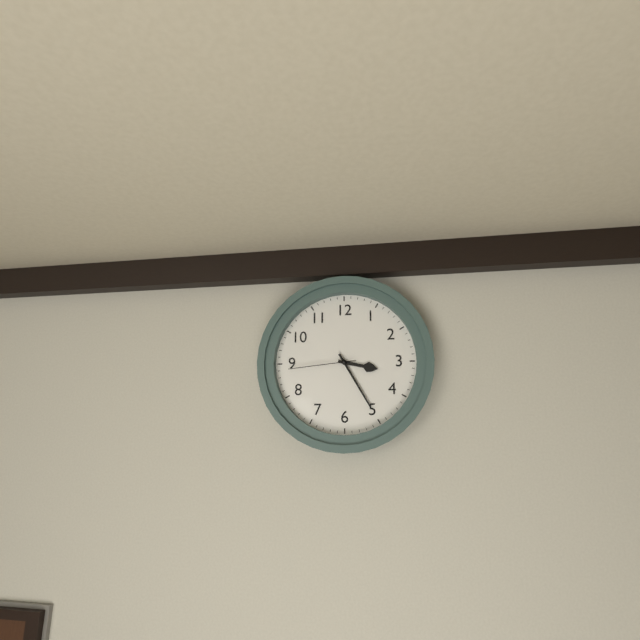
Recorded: 3h25m44s
